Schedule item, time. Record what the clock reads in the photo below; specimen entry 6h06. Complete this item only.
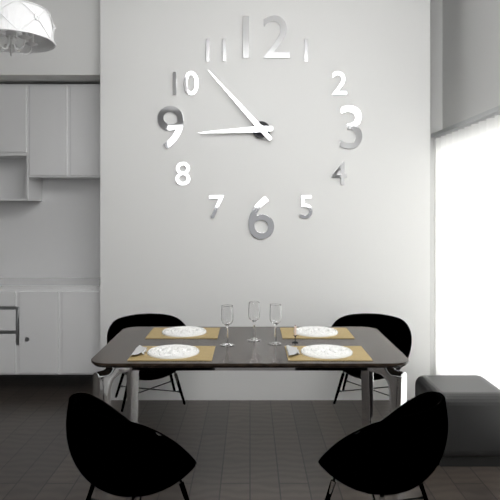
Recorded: 8h53
